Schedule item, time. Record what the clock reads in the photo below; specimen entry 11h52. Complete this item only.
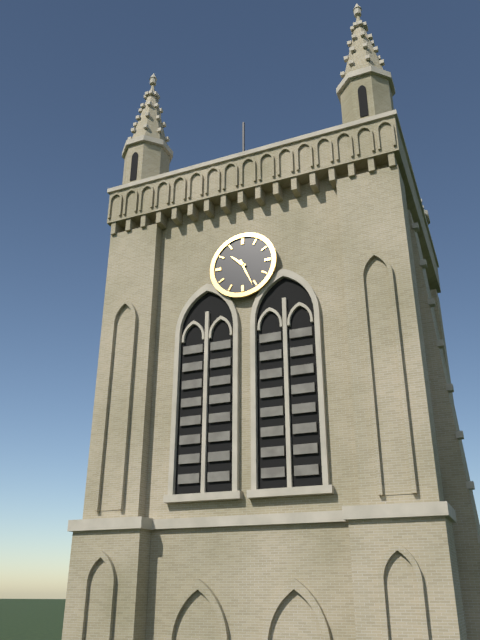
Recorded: 10h26
